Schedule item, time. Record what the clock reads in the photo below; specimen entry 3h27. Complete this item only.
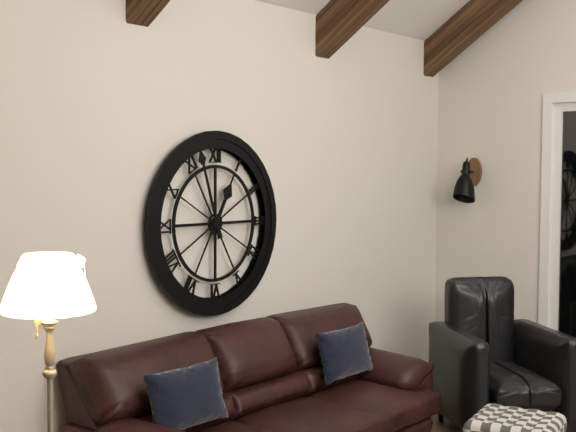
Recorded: 12h57
